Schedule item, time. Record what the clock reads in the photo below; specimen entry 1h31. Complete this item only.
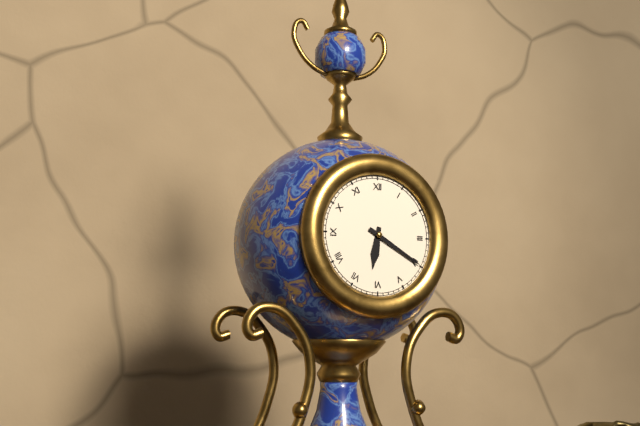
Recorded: 6h20
